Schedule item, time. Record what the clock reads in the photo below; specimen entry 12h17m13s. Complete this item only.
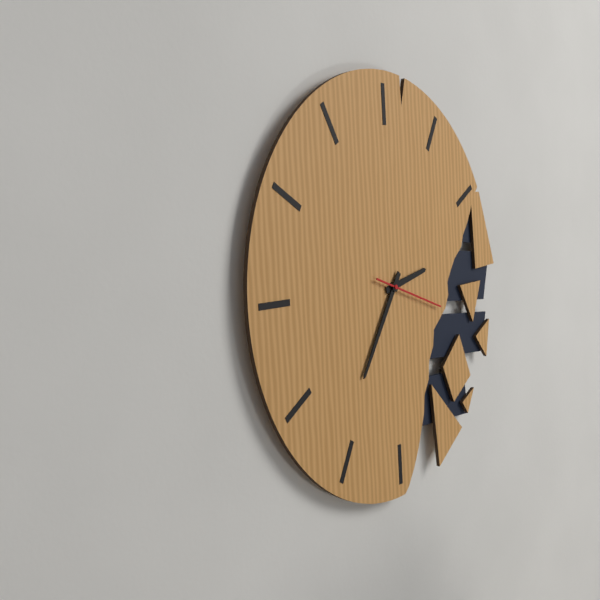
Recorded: 2h36m18s
